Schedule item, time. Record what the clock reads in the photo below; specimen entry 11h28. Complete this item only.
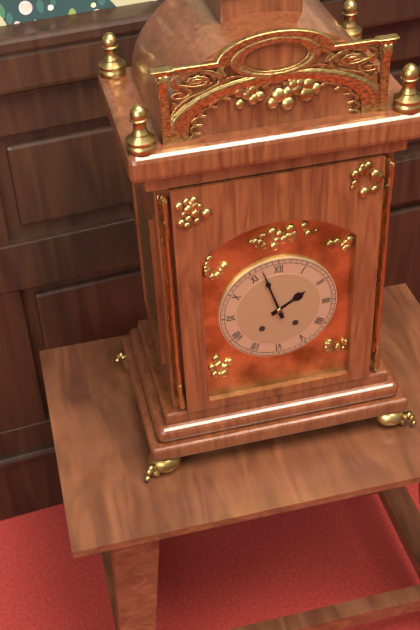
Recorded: 1h57
